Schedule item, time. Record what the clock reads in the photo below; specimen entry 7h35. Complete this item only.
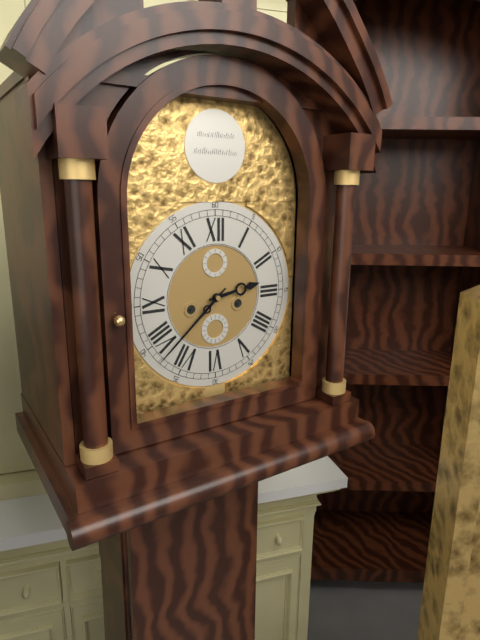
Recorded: 2h38
